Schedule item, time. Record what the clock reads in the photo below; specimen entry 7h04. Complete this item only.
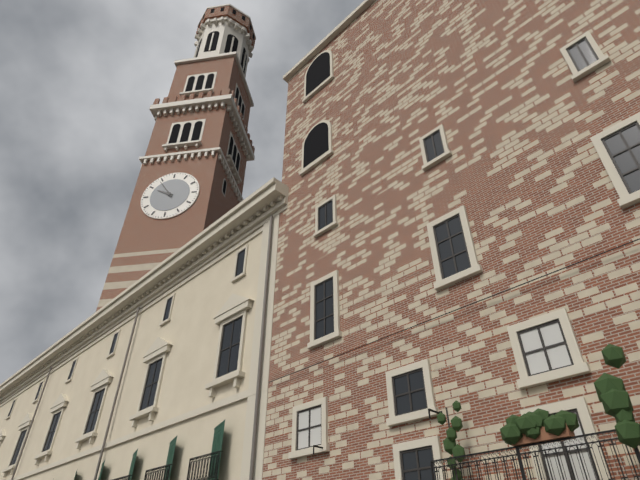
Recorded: 9h54
